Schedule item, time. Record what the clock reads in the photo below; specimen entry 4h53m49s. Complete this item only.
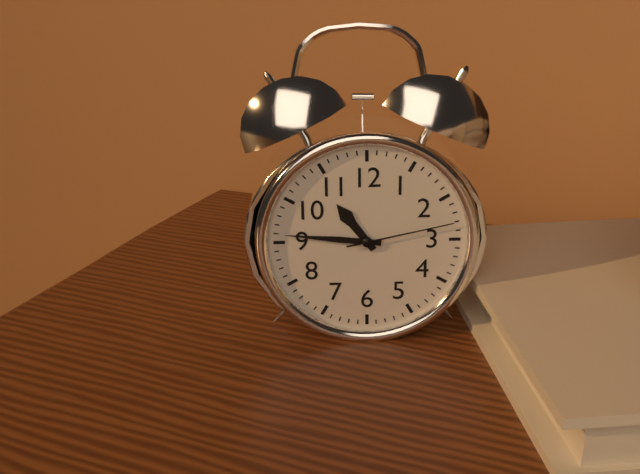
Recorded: 10h46m13s
